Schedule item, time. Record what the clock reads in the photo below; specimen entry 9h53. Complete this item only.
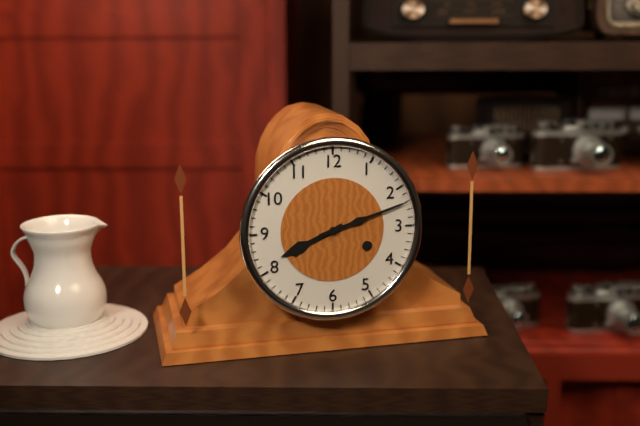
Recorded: 8h12
